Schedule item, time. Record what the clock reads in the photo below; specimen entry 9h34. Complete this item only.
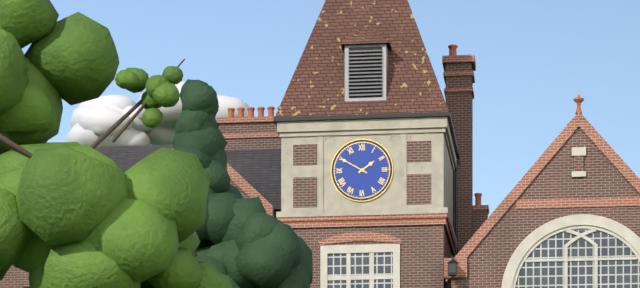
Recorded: 1h50
